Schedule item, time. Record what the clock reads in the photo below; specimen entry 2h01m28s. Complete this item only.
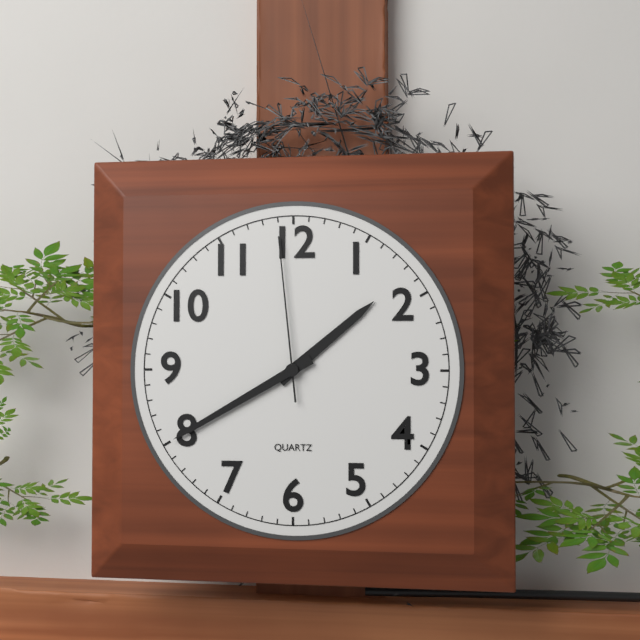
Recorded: 1h40m59s
